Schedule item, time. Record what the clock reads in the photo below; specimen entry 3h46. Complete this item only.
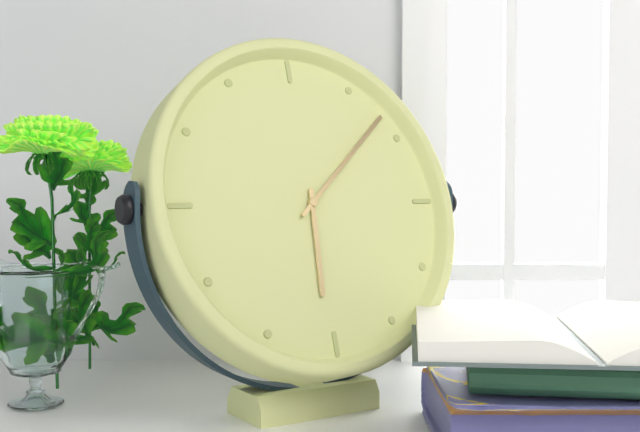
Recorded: 6h08
